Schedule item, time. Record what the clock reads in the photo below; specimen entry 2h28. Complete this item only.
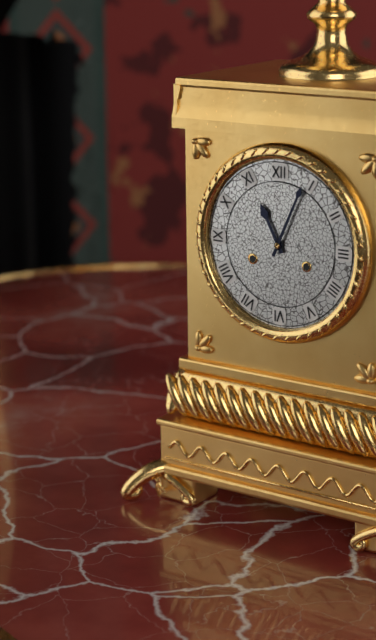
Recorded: 11h04
